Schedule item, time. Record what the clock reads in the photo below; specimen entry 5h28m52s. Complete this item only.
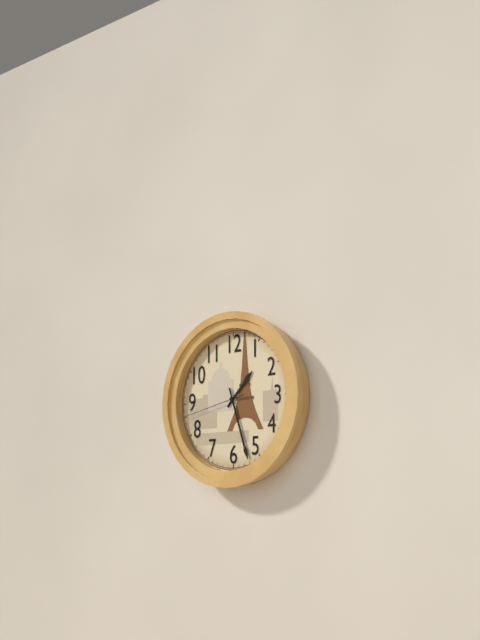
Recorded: 1h27m43s
